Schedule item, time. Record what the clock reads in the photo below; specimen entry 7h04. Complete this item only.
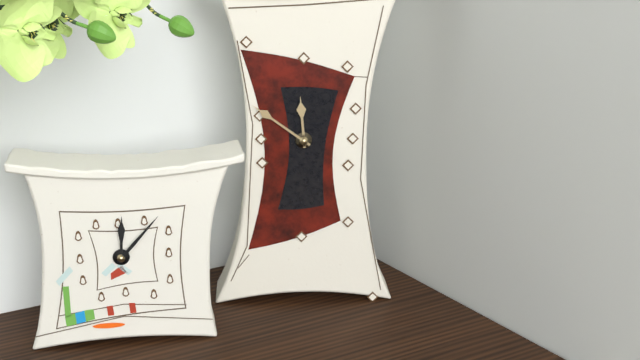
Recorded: 11h51
